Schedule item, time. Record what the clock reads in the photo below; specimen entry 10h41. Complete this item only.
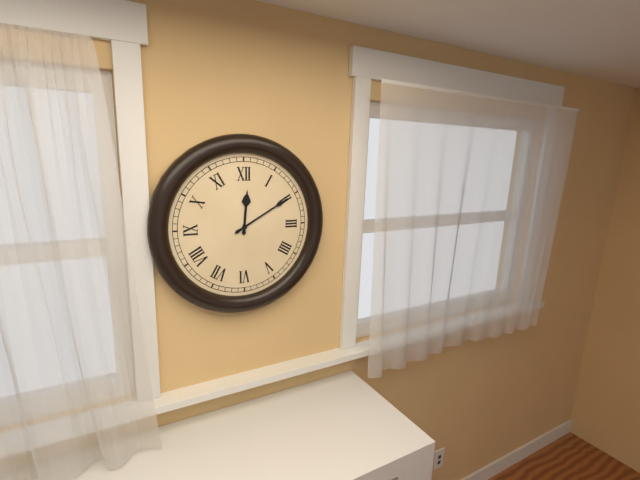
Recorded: 12h10
